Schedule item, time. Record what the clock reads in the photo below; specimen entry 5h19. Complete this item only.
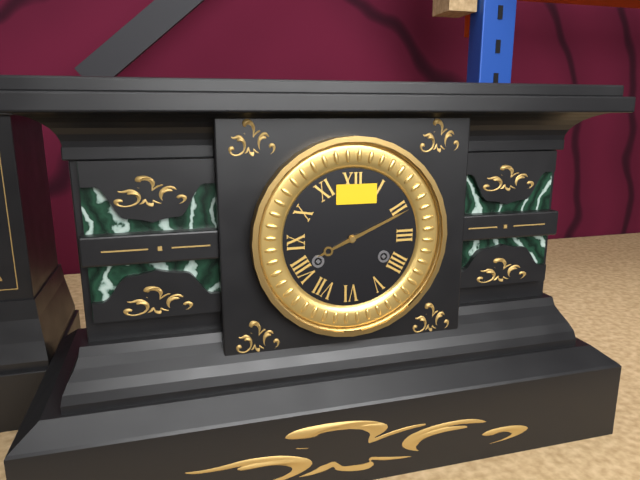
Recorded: 8h11
